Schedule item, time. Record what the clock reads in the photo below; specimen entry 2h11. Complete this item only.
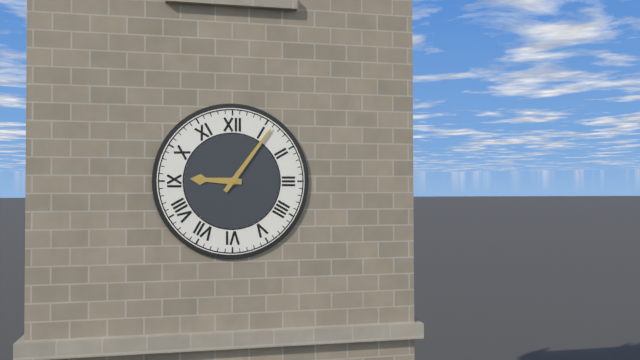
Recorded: 9h06
